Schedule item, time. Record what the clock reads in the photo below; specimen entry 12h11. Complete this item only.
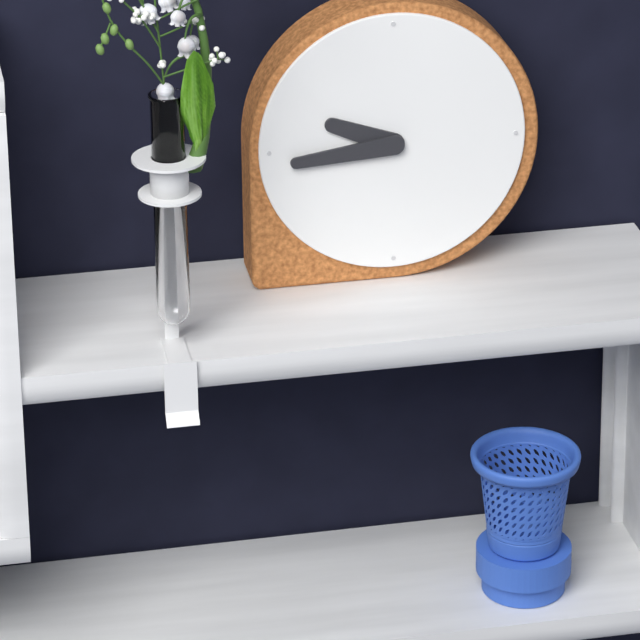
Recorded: 9h44
